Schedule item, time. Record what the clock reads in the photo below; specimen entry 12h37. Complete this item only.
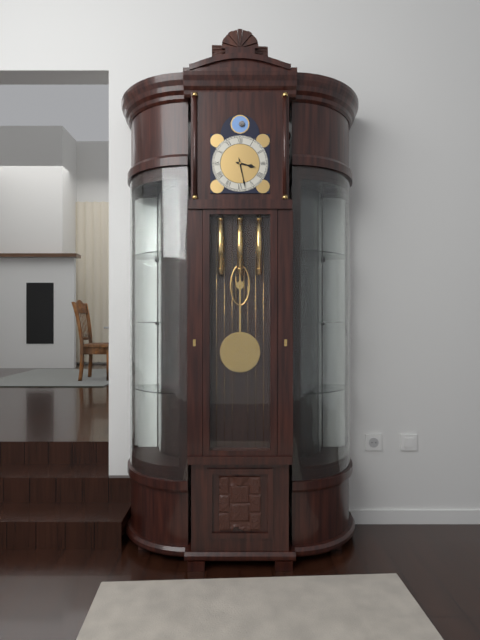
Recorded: 3h28
